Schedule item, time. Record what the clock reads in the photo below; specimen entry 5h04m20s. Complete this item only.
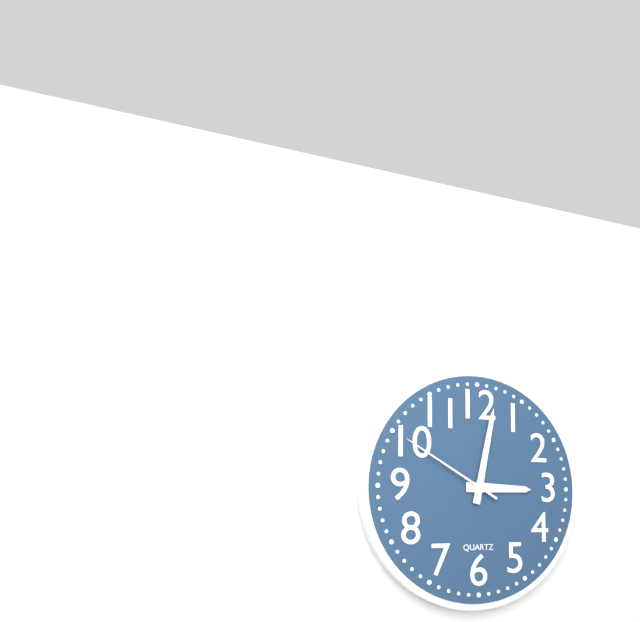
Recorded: 3h02m50s
